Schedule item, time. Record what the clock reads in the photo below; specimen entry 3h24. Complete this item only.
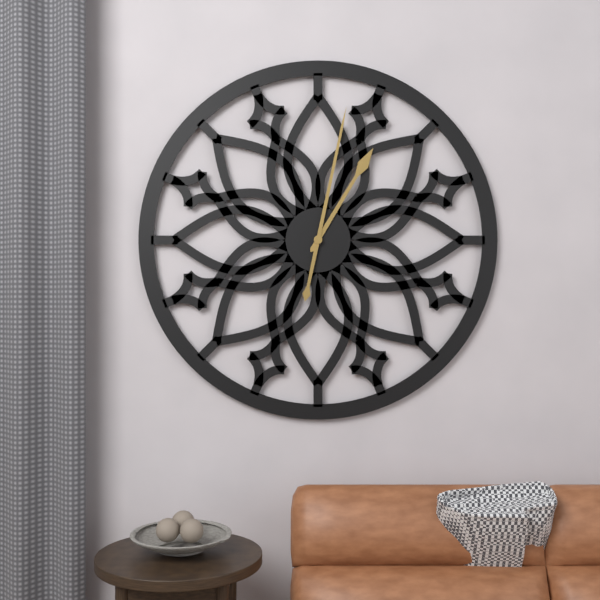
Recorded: 1h02
